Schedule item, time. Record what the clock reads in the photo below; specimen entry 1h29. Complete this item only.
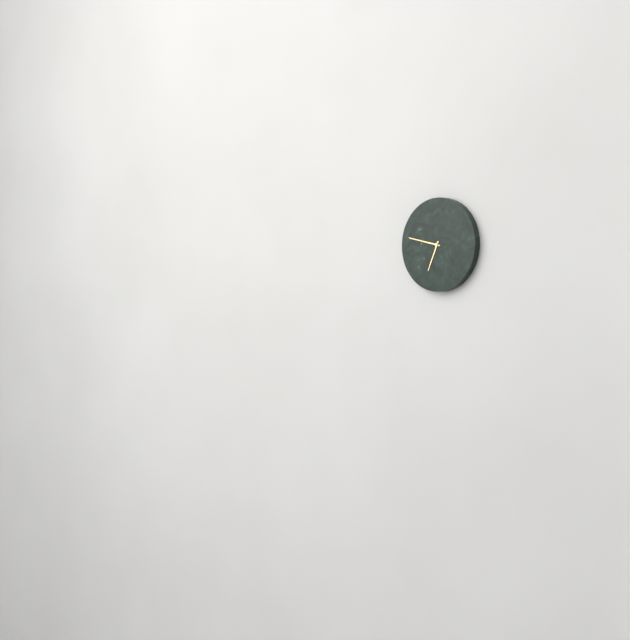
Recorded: 6h47
